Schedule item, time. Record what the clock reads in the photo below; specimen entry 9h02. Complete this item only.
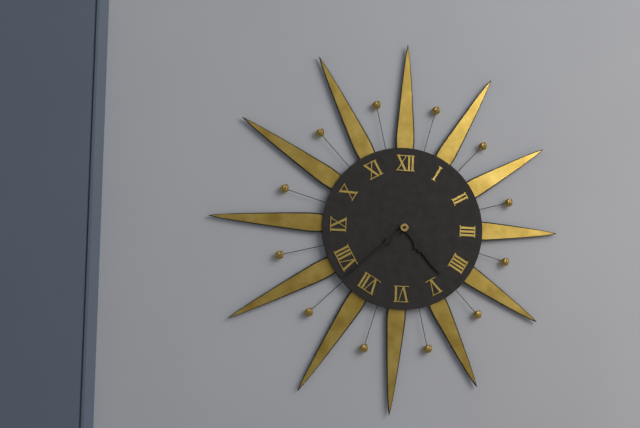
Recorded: 4h38
